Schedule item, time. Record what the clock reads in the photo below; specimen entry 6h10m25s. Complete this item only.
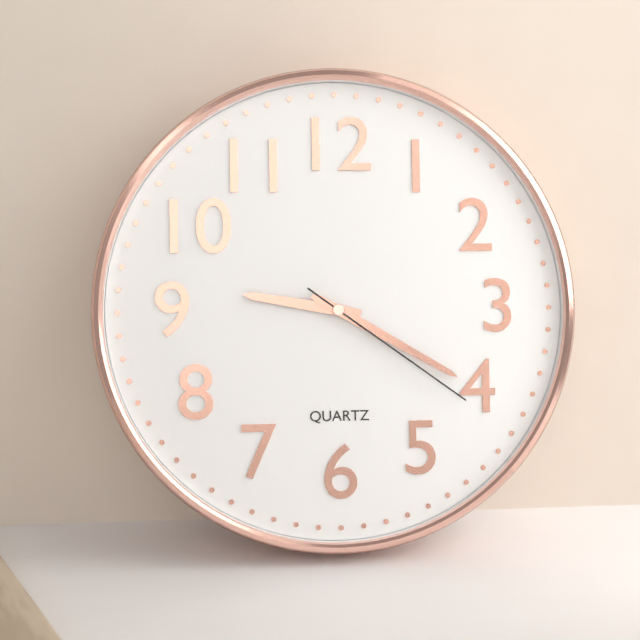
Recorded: 9h20m21s
